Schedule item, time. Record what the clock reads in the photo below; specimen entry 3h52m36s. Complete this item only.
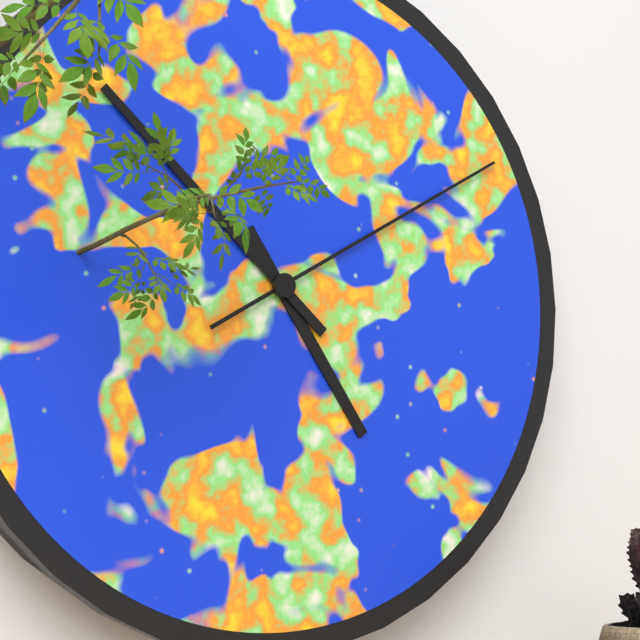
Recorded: 4h52m10s
